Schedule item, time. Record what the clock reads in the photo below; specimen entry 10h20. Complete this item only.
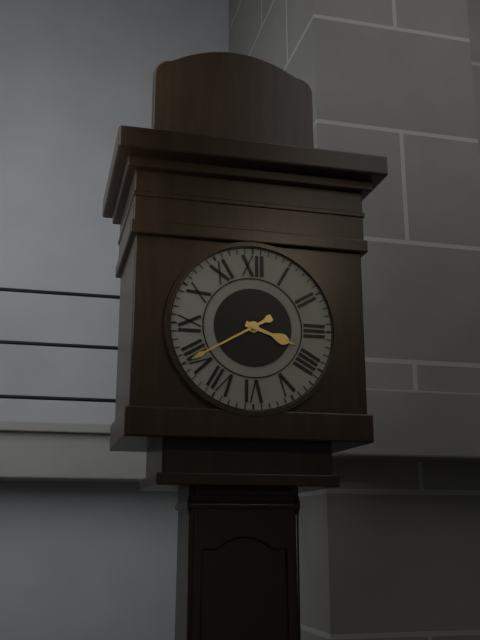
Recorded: 3h40
